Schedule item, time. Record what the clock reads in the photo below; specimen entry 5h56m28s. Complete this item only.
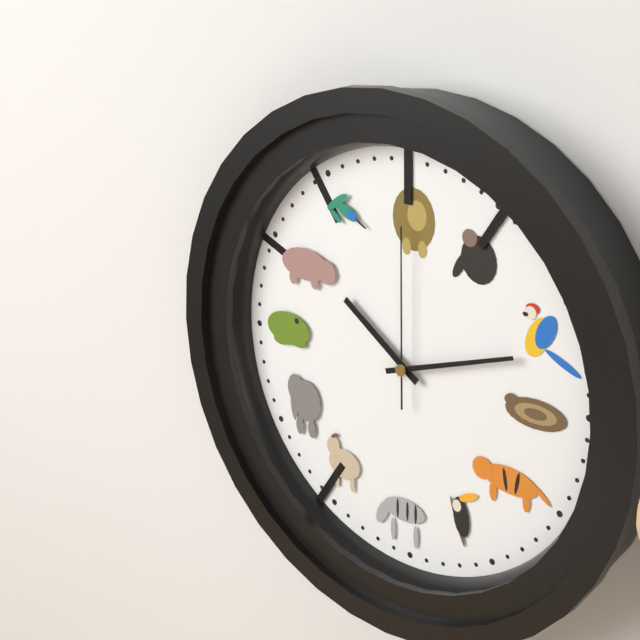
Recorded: 10h12m00s
